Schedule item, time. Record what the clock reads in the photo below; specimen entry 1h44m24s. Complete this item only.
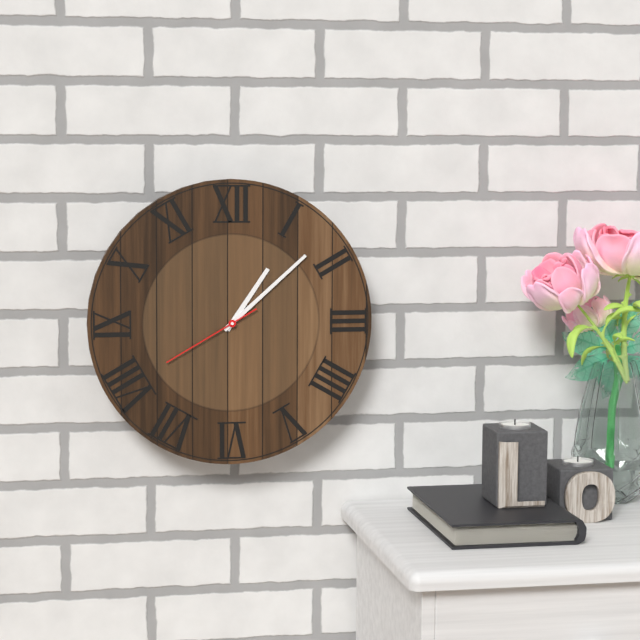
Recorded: 1h08m40s
